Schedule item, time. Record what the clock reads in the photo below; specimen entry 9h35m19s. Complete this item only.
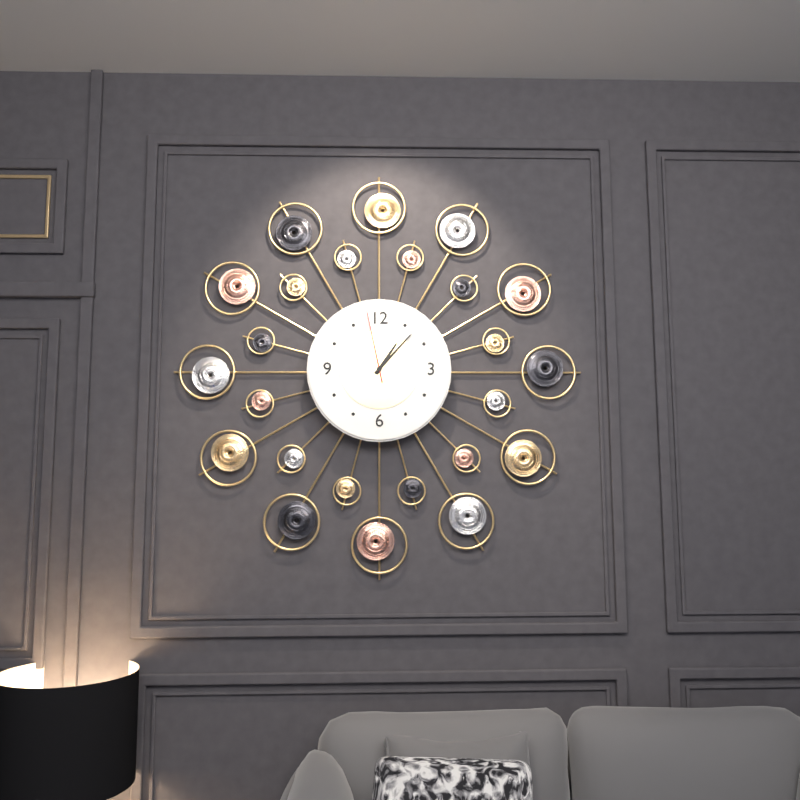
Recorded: 1h07m58s
